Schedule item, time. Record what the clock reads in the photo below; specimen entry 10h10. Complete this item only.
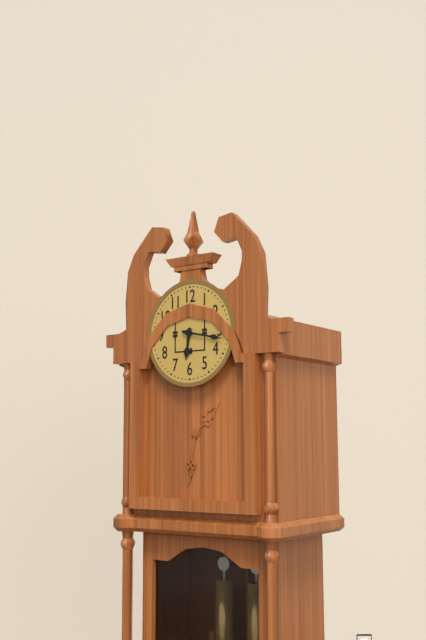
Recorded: 6h17
